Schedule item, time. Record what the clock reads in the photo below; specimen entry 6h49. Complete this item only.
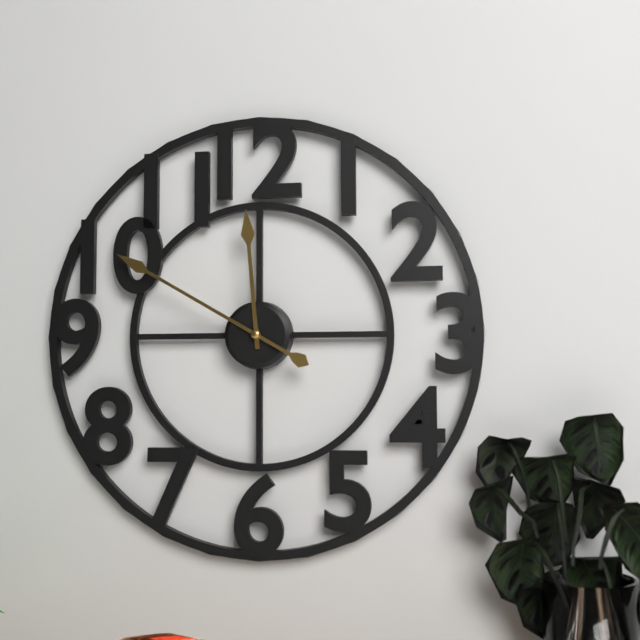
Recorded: 11h50
